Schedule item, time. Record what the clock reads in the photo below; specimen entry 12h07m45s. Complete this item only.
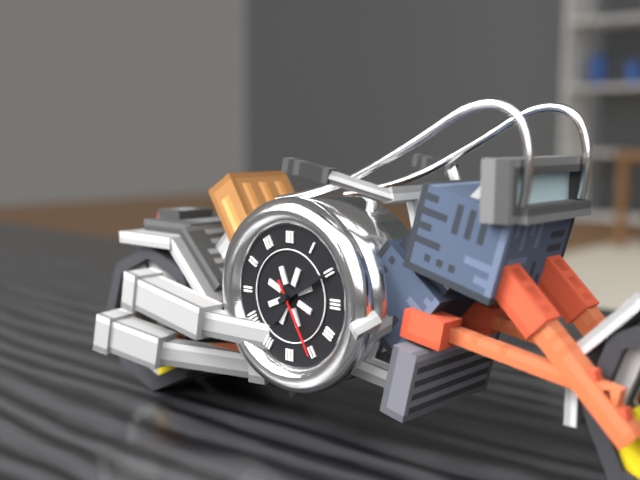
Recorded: 7h10m25s
